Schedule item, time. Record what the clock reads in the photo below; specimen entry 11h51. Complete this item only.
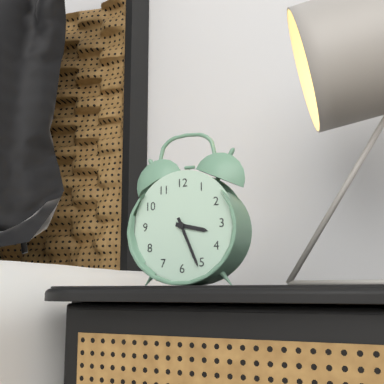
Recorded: 3h26
